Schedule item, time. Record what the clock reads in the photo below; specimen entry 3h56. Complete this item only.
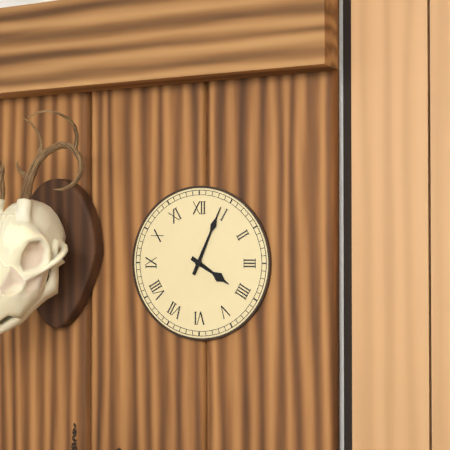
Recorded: 4h04
